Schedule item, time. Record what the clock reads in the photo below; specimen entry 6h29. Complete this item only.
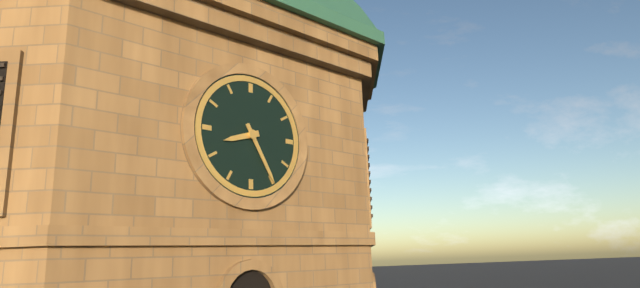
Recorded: 8h25
